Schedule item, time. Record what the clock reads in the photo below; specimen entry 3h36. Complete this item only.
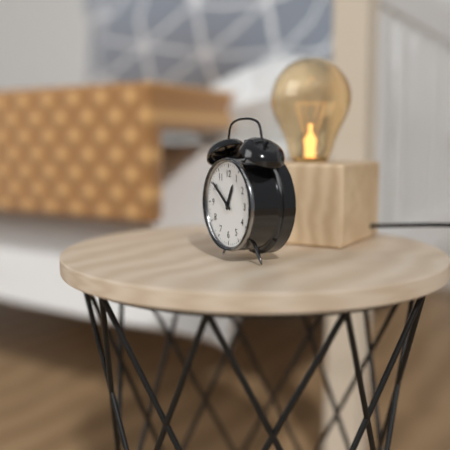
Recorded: 12h51
